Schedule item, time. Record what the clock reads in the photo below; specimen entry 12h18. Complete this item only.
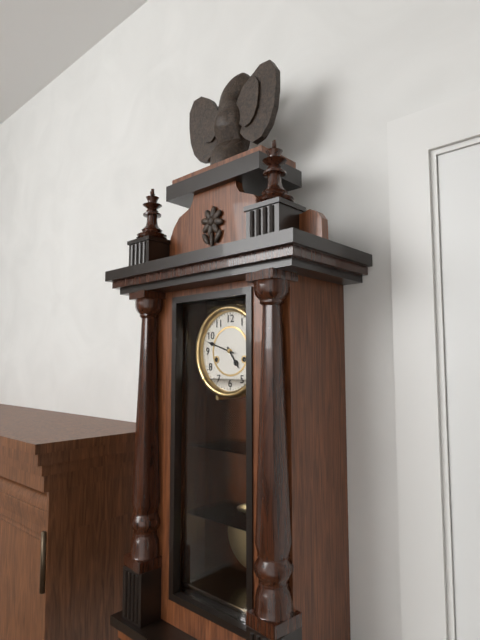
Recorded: 4h48
